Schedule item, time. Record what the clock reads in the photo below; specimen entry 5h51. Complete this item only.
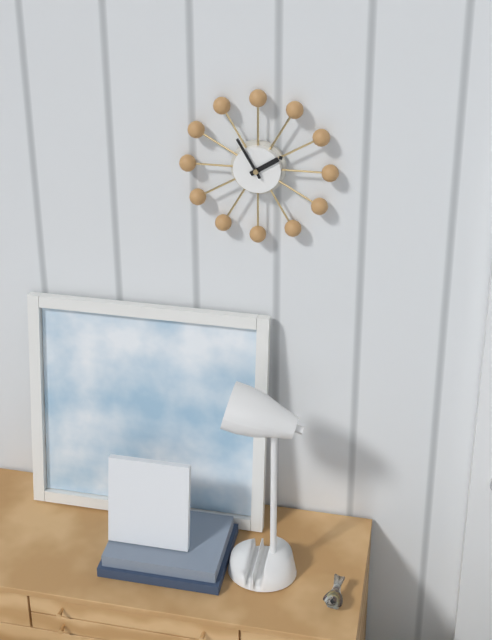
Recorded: 1h55
